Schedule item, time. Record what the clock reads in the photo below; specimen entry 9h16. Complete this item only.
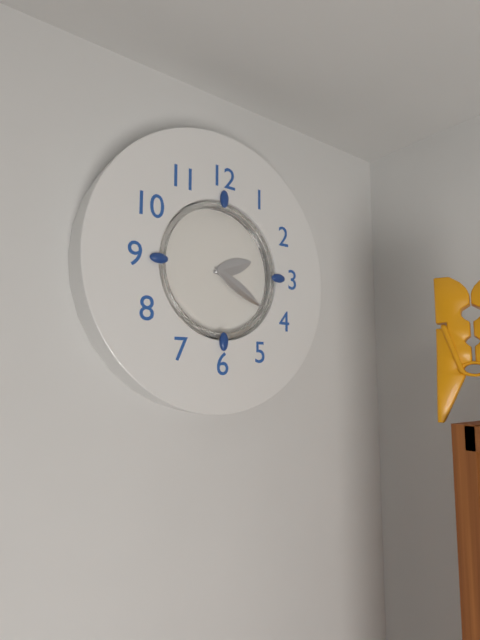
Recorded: 2h20
